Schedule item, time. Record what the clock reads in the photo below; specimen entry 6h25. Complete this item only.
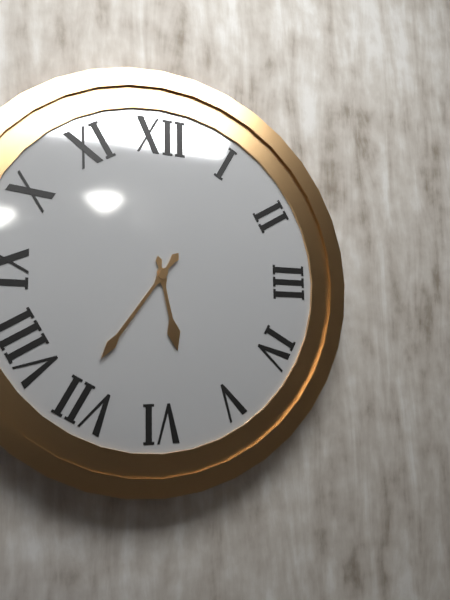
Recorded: 5h36
